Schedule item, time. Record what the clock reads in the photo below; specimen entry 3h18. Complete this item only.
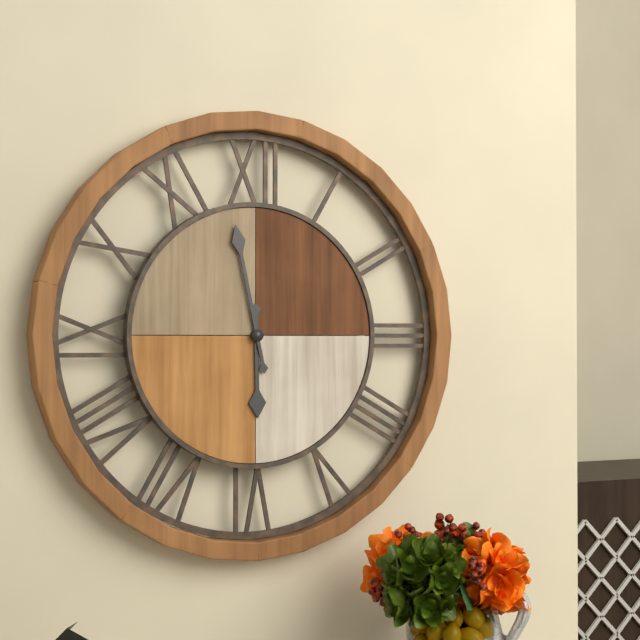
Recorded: 5h58
